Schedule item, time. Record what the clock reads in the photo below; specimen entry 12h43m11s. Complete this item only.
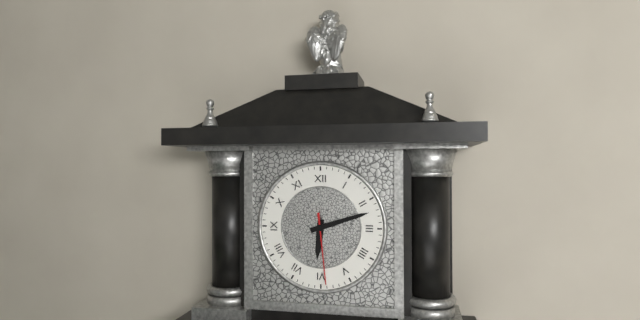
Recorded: 6h12m29s
